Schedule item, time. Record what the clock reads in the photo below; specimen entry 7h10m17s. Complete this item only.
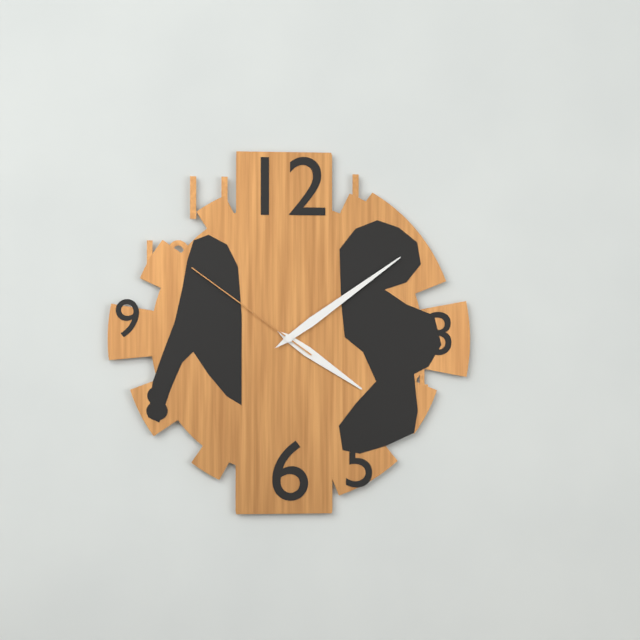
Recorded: 4h09m51s
